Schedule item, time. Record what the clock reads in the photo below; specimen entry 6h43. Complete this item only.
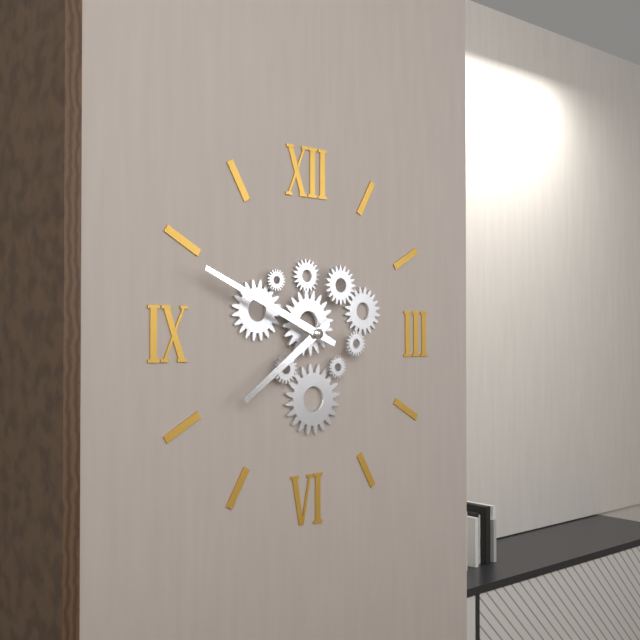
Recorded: 7h49
